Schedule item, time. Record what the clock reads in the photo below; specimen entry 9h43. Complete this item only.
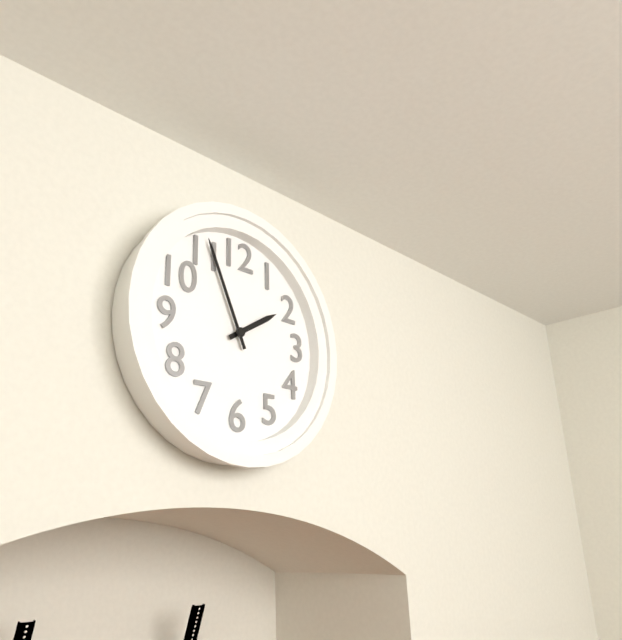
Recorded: 1h56
